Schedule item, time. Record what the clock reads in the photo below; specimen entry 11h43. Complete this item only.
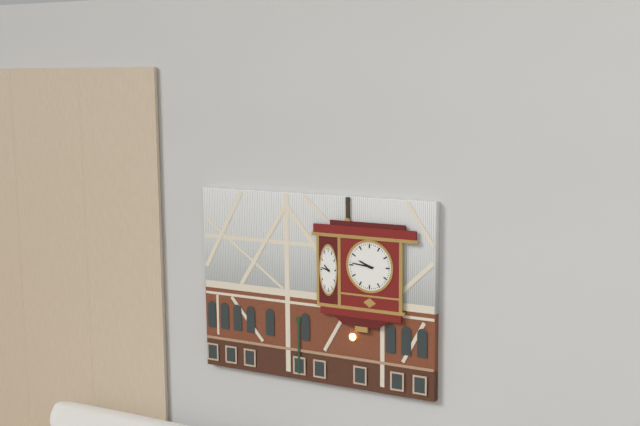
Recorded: 9h46
